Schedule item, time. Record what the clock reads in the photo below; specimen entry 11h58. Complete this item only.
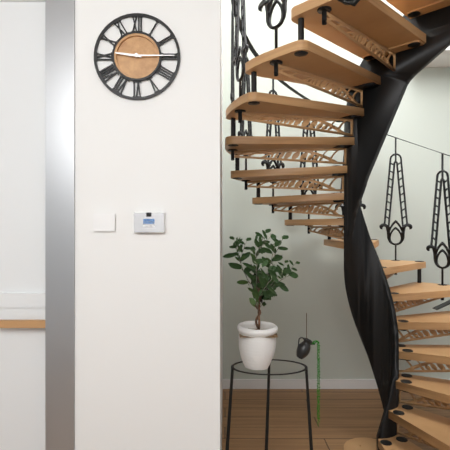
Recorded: 9h15
